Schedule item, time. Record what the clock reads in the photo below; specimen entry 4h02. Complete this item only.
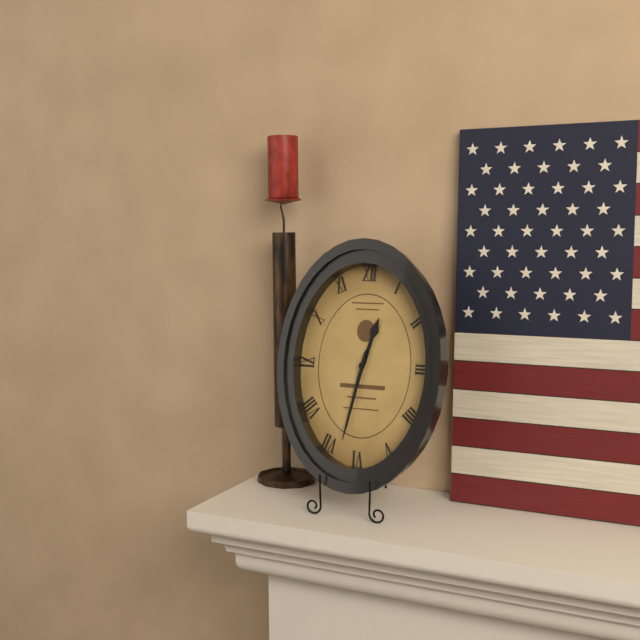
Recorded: 12h32
